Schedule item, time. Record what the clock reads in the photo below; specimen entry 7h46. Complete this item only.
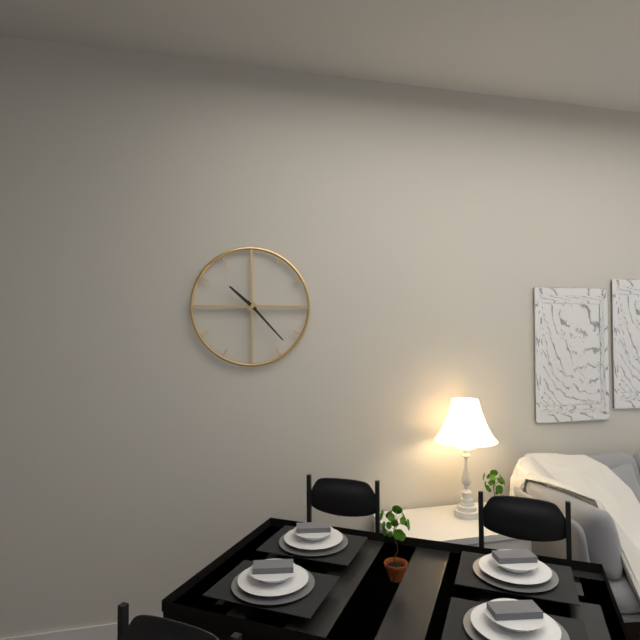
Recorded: 10h23
